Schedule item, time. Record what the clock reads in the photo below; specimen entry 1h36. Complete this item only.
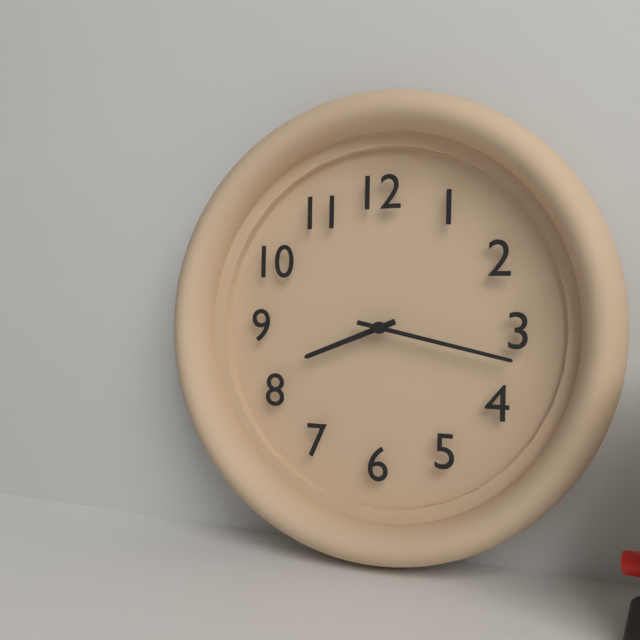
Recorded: 8h17
